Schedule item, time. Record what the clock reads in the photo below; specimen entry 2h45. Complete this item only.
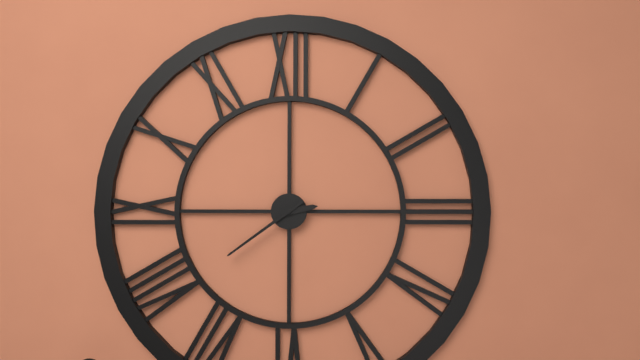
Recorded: 2h39
